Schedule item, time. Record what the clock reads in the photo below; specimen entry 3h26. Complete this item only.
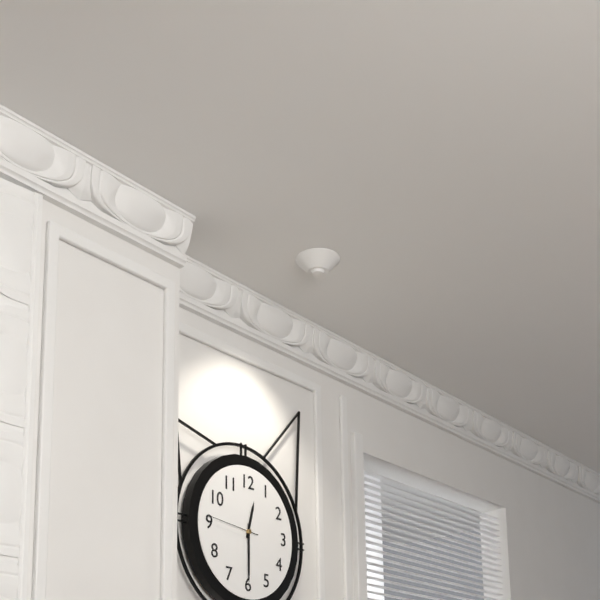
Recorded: 12h30
